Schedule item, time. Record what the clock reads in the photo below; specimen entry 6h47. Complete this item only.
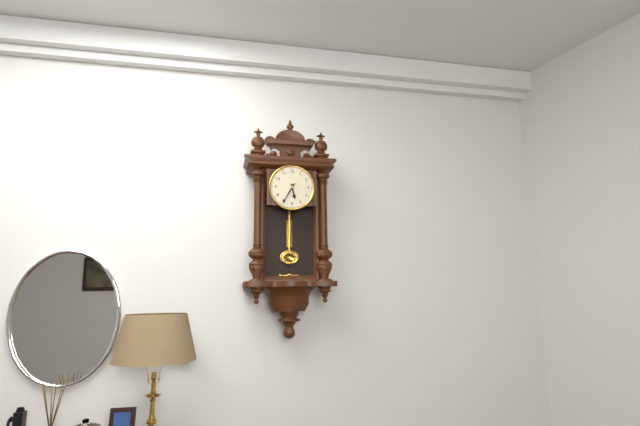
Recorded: 5h35
